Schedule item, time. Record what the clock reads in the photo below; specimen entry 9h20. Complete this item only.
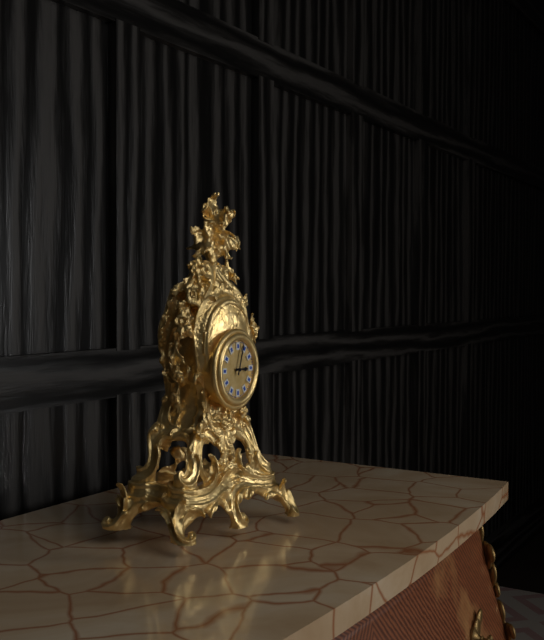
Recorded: 3h03
